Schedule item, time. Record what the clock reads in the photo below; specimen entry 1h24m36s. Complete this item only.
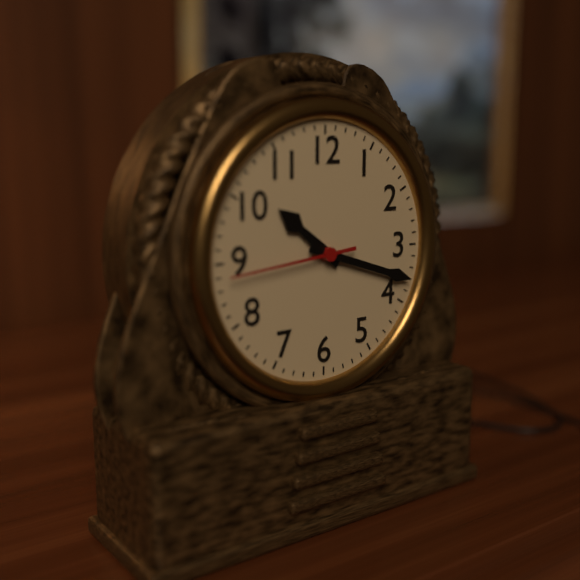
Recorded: 10h18m44s
